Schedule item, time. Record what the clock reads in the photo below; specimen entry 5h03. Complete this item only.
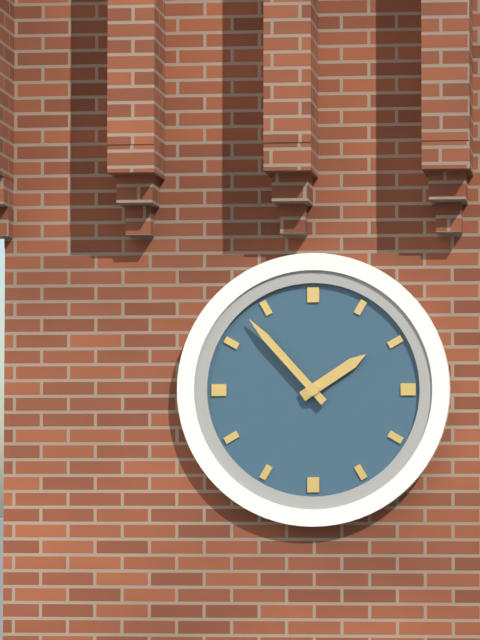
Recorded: 1h53
